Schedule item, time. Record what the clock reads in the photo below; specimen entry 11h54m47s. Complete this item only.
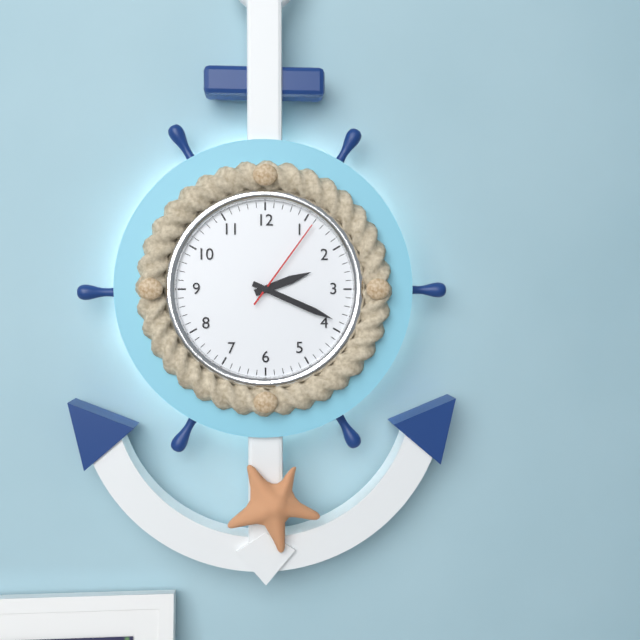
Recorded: 2h19m06s
